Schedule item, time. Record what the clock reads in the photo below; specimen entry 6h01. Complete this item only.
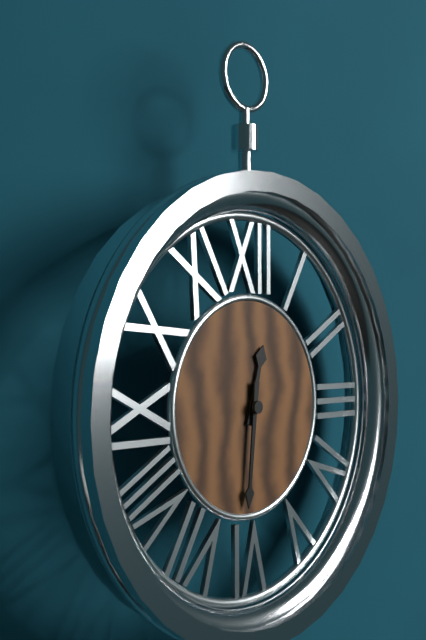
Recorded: 12h31
